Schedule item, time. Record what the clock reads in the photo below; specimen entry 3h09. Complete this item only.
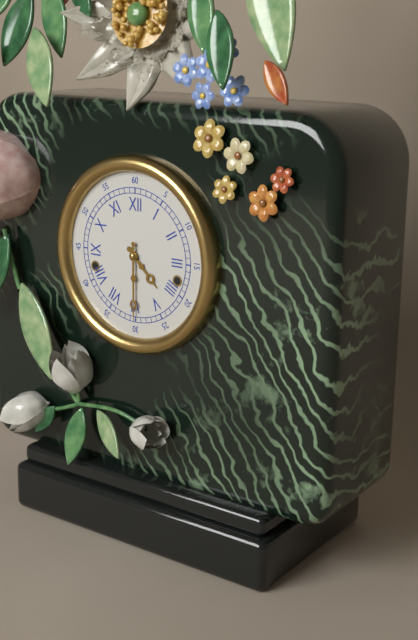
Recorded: 4h30
